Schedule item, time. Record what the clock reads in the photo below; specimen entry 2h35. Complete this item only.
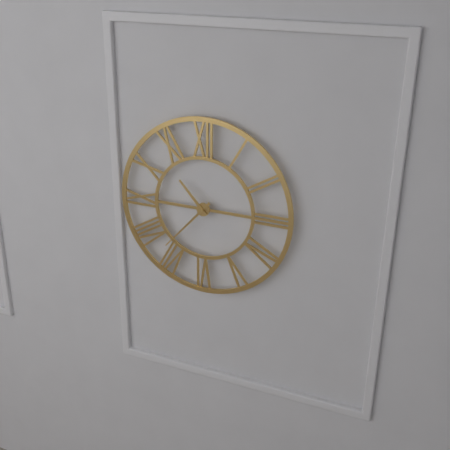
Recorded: 10h37
